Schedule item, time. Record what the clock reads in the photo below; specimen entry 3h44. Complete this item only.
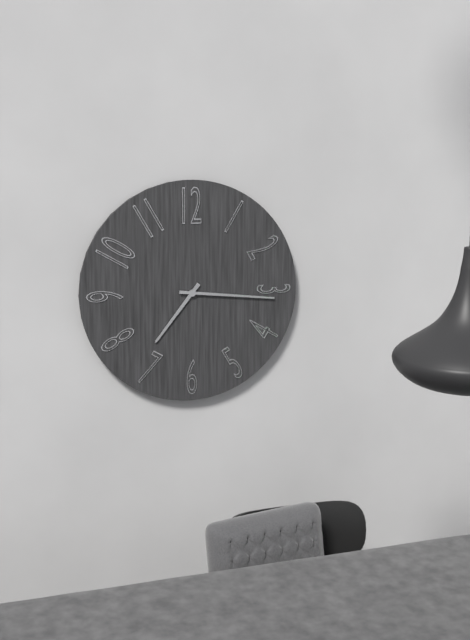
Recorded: 7h16
